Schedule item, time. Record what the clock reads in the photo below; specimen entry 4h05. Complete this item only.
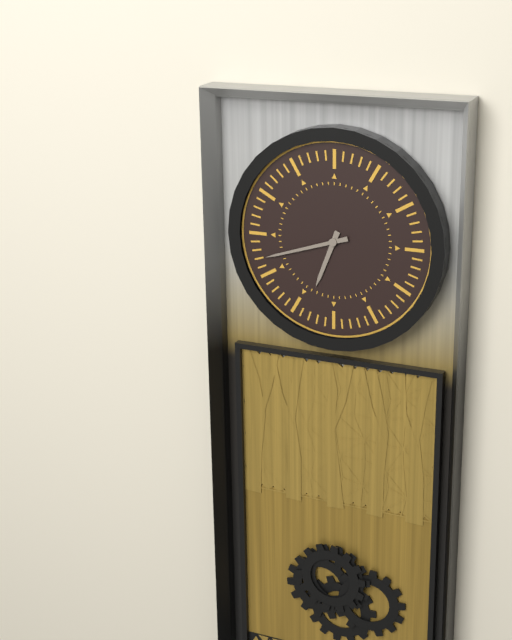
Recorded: 6h42
